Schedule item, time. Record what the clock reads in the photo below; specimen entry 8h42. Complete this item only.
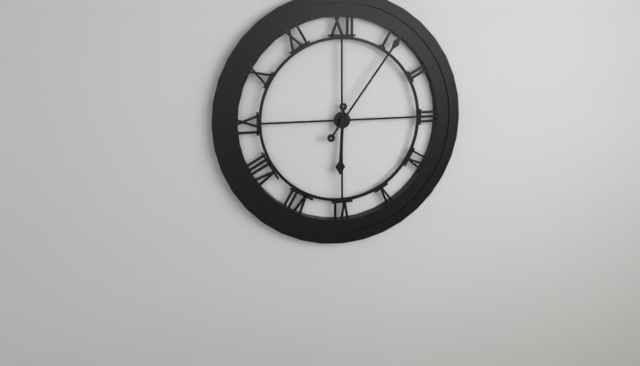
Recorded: 6h06
